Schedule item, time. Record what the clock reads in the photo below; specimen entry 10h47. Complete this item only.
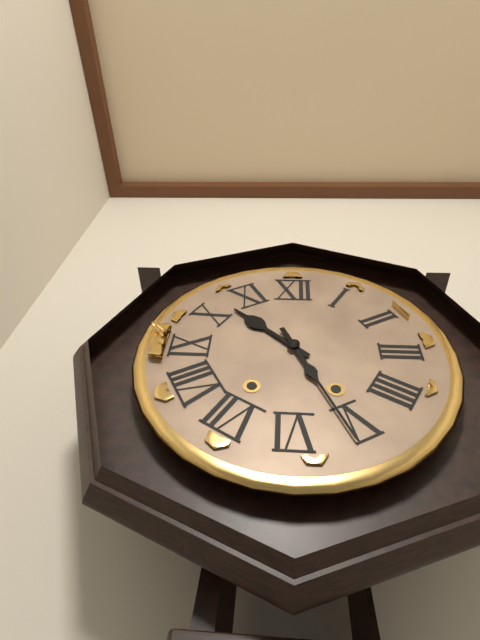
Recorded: 10h26
